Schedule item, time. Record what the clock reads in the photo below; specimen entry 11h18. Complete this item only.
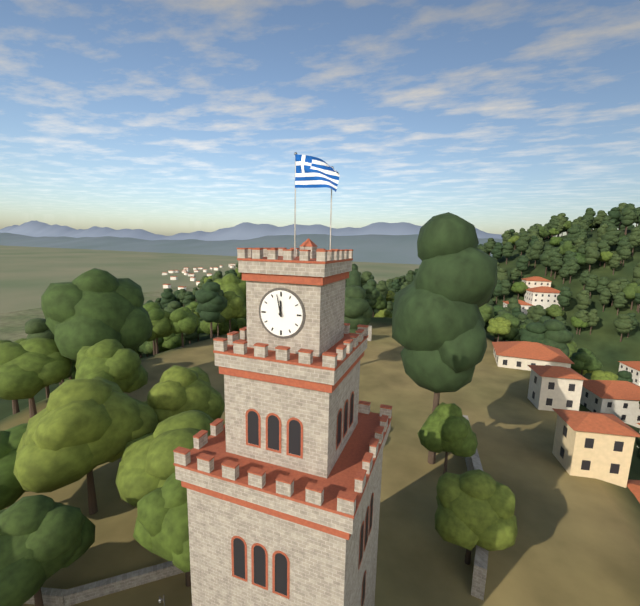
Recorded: 11h58
